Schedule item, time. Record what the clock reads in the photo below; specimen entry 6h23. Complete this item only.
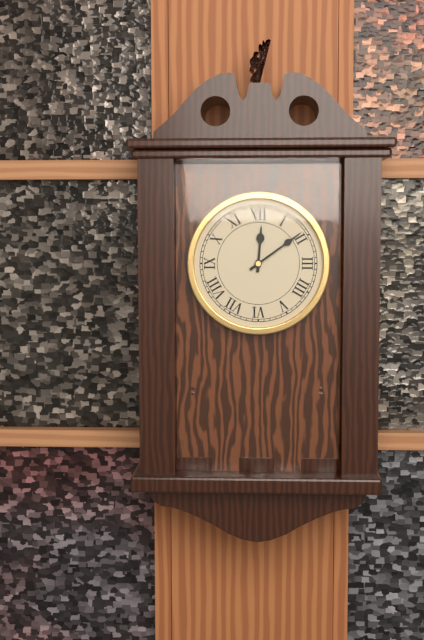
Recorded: 12h09
